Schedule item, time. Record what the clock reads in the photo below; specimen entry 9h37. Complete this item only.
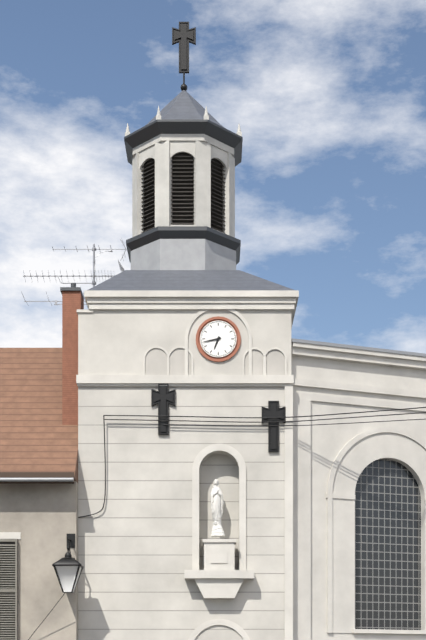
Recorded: 6h43
